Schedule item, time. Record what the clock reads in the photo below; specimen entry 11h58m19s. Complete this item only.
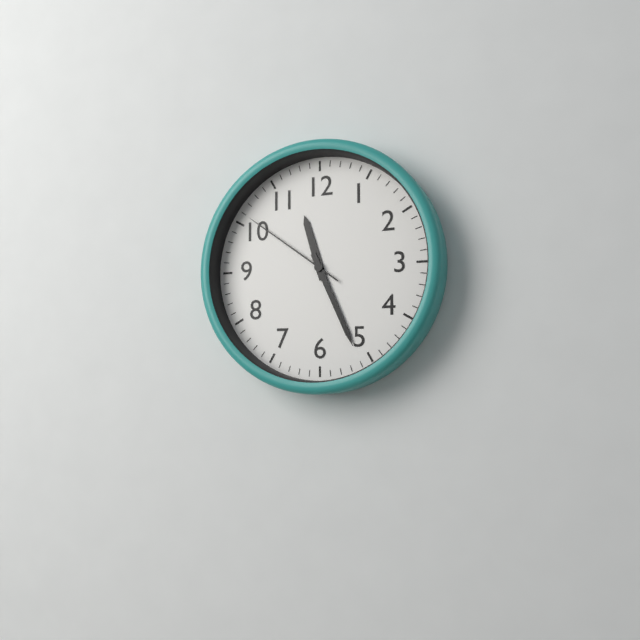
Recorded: 11h26m51s
